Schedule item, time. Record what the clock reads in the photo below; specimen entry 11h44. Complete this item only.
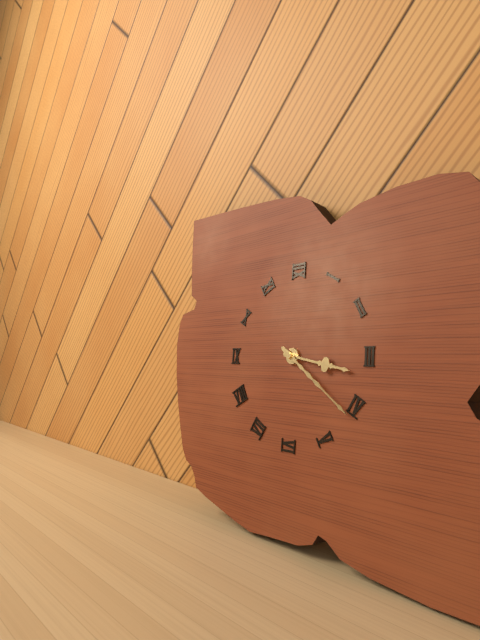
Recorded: 3h21
